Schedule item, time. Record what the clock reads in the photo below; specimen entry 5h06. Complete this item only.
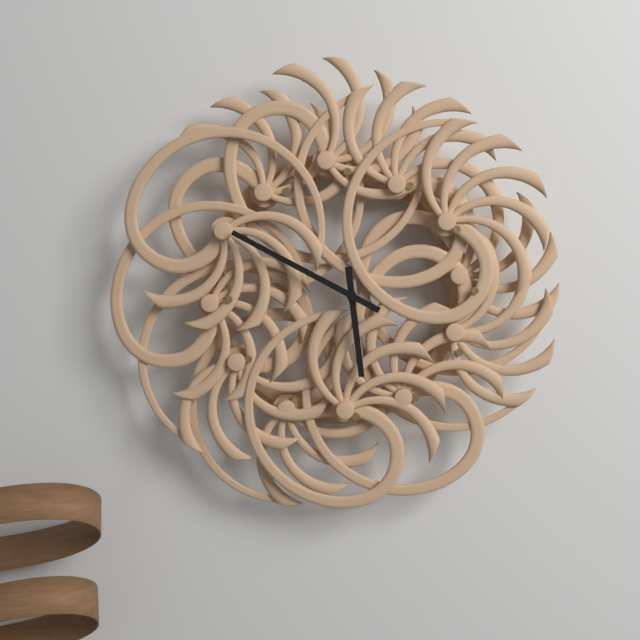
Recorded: 5h50
